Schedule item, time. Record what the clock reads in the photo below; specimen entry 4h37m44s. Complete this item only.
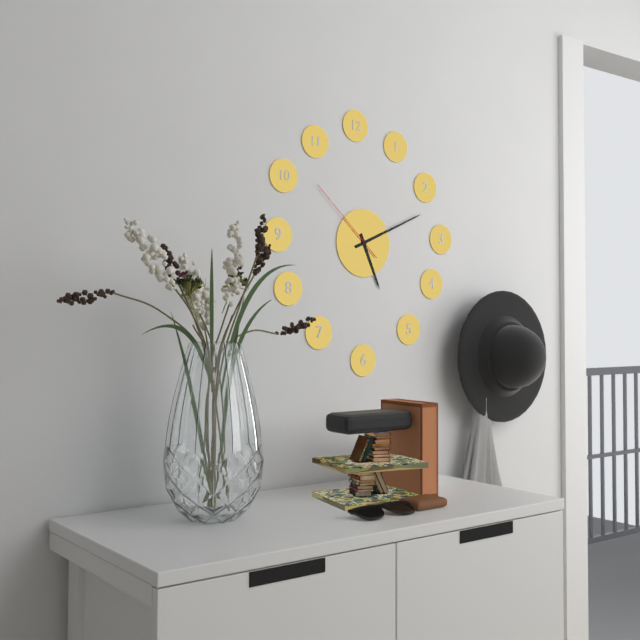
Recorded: 5h11m52s
